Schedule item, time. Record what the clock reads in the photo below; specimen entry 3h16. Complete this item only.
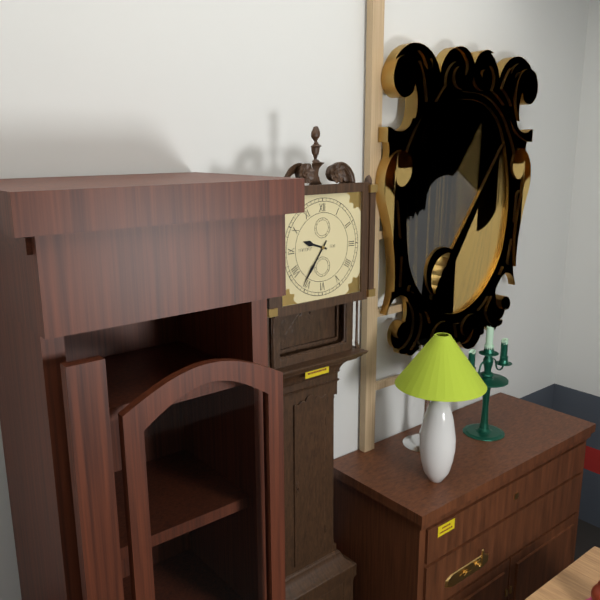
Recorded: 9h36
